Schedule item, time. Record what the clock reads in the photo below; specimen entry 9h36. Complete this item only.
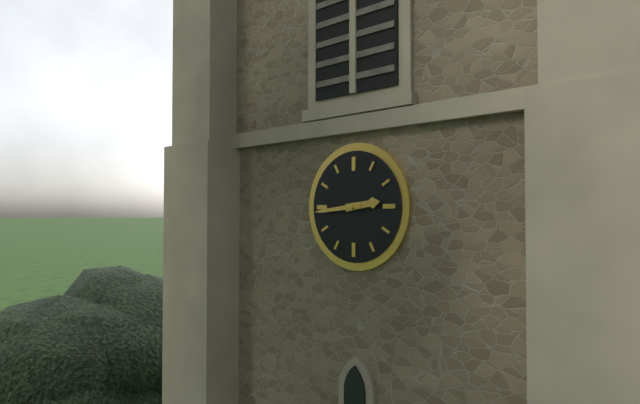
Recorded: 2h44
